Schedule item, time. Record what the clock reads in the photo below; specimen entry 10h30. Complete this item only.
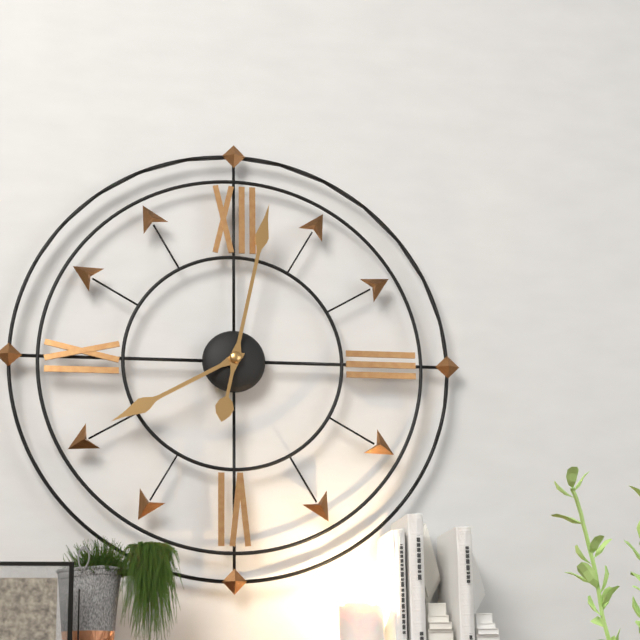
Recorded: 8h02
